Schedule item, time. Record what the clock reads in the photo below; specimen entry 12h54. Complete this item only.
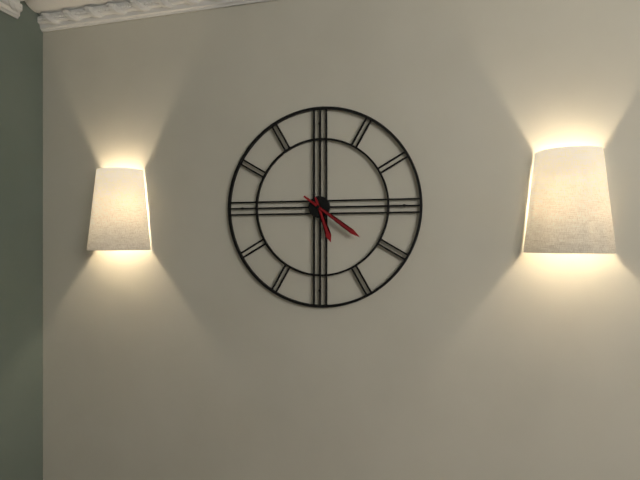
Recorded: 5h21
